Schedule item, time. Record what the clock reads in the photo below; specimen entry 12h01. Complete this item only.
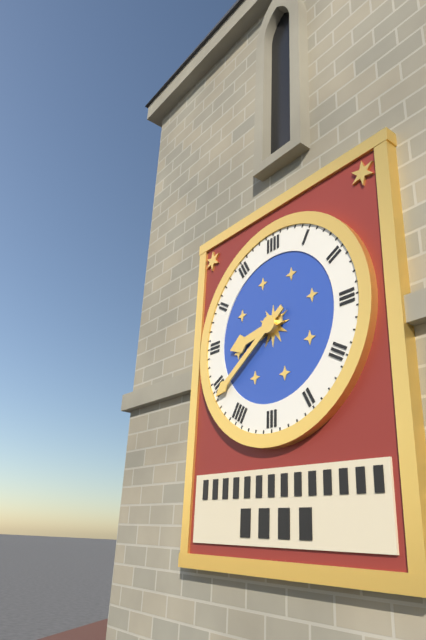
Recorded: 8h39
